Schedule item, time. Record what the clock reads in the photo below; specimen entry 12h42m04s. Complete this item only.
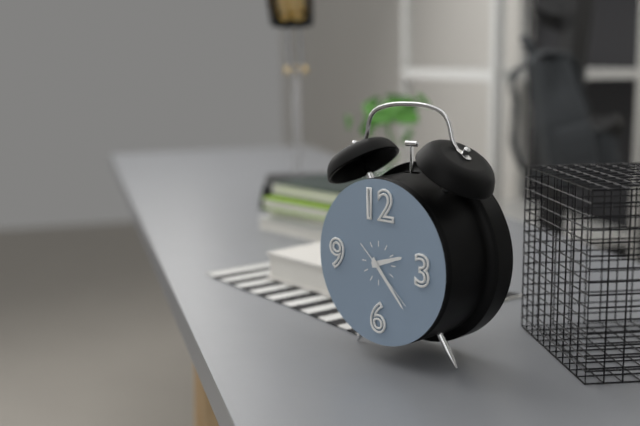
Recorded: 2h23m22s
